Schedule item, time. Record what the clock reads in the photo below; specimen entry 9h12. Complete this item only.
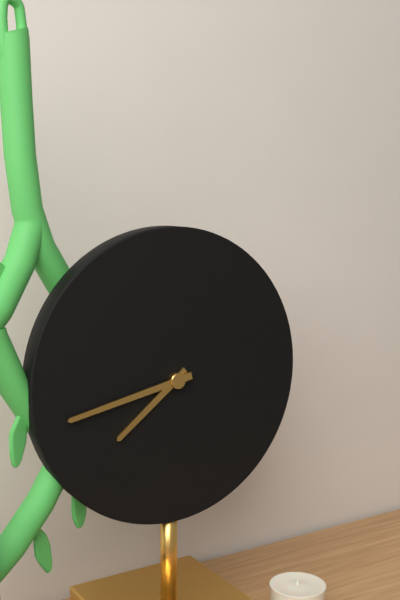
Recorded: 7h43
